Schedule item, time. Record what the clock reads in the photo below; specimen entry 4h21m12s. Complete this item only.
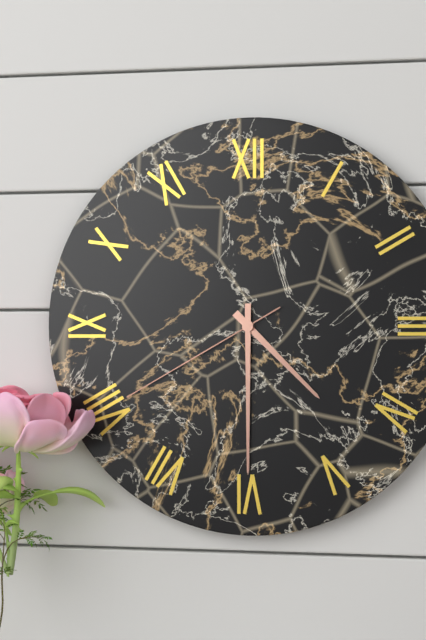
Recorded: 4h30m40s
